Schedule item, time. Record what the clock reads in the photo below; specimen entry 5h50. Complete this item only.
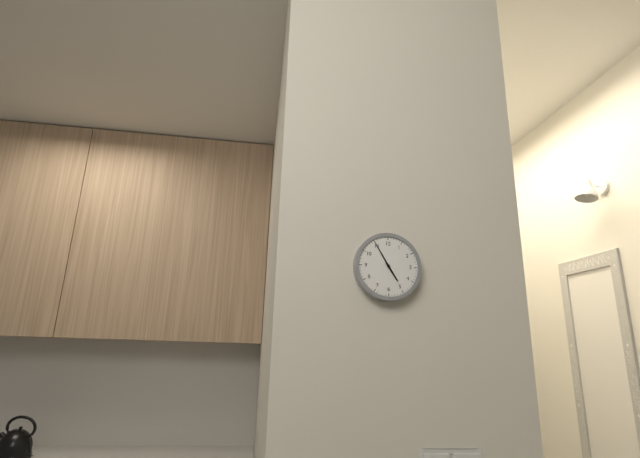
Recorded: 4h55
